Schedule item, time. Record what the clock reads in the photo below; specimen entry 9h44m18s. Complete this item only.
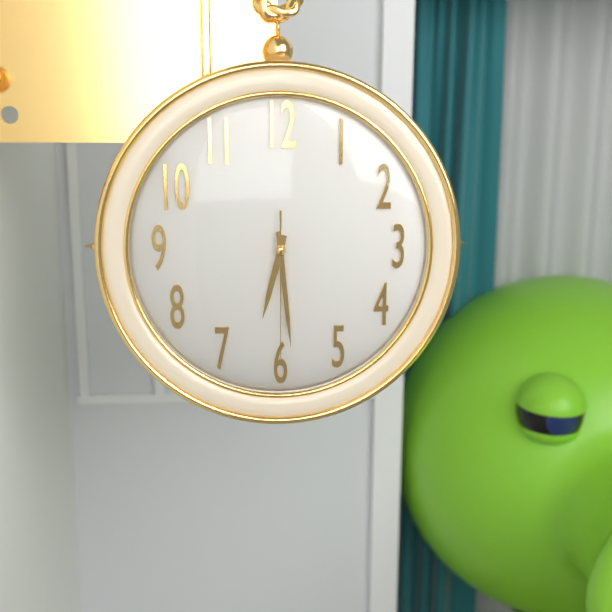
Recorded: 6h29m30s
